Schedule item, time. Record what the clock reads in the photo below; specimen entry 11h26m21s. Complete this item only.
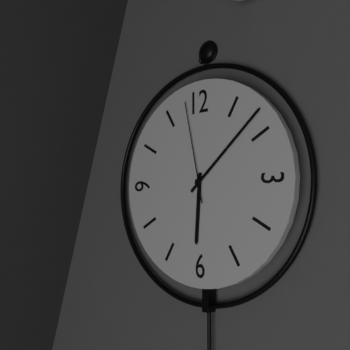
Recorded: 6h08m58s
